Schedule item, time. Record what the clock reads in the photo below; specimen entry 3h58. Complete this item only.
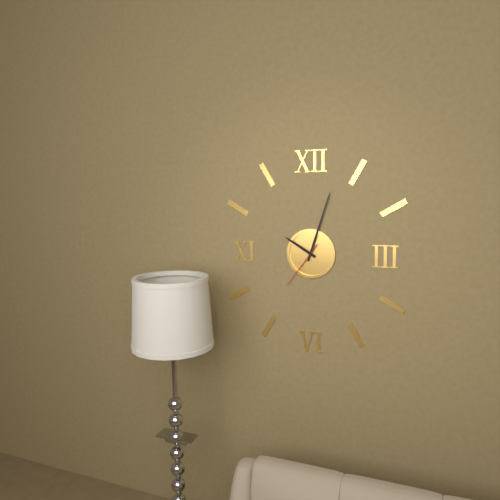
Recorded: 10h03
